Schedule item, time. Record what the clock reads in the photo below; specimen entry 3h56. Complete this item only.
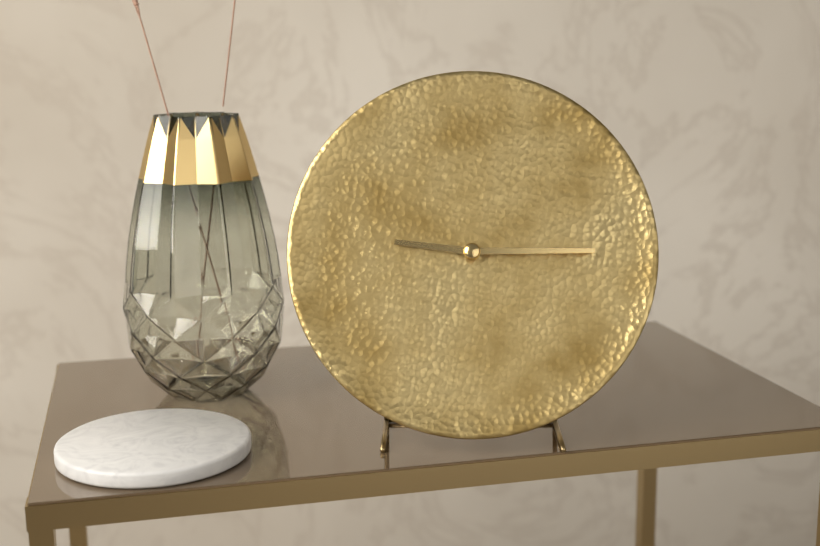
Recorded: 9h15
